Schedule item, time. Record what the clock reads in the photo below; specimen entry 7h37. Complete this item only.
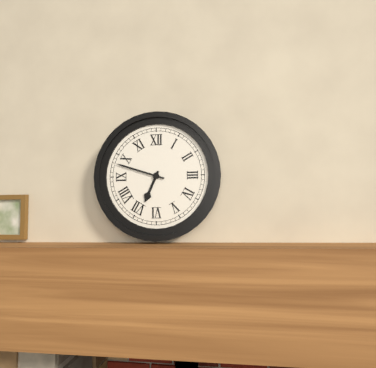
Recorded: 6h48
